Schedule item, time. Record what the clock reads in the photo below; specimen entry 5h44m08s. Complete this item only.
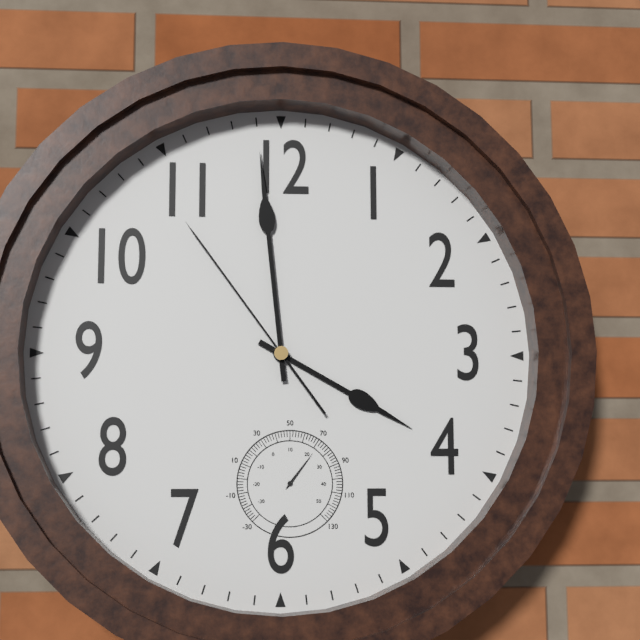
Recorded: 3h59m54s
